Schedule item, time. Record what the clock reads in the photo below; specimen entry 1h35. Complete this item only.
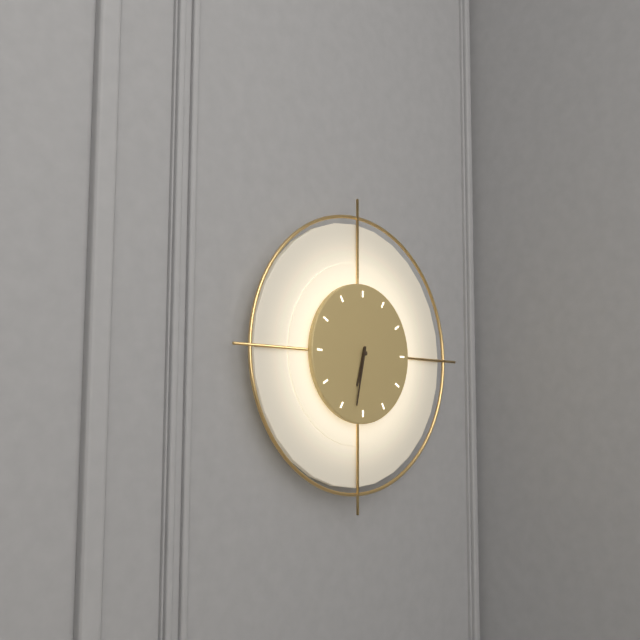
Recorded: 6h32
